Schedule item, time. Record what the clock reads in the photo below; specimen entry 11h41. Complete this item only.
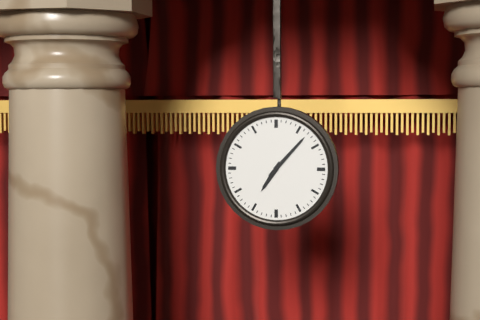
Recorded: 7h07
